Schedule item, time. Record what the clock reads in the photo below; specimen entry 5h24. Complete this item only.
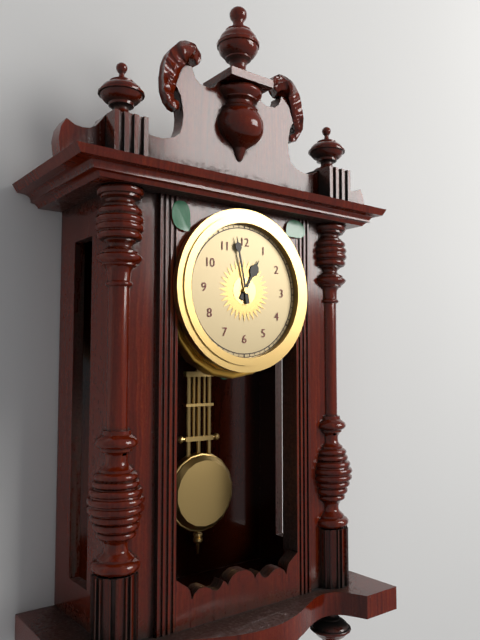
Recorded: 12h58
